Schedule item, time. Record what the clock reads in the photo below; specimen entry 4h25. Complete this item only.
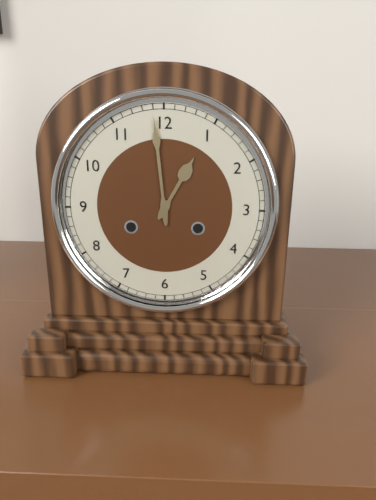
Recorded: 12h59
